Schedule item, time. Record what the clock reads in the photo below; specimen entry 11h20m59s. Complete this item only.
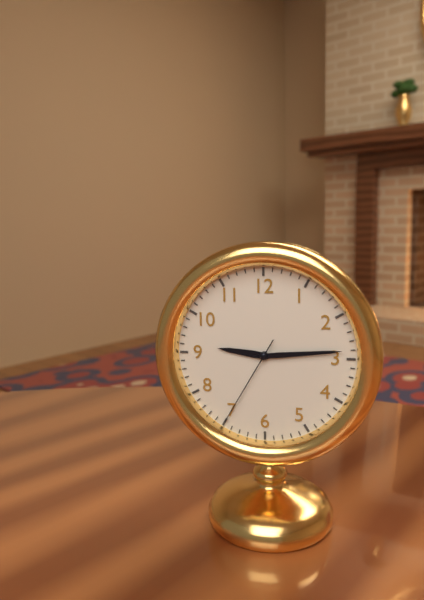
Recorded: 9h14m35s
